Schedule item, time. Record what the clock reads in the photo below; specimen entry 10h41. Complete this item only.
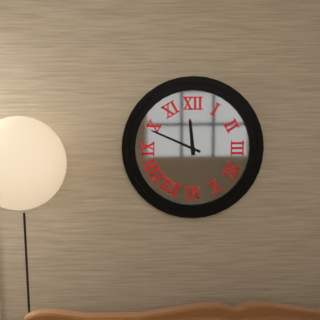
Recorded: 11h49
